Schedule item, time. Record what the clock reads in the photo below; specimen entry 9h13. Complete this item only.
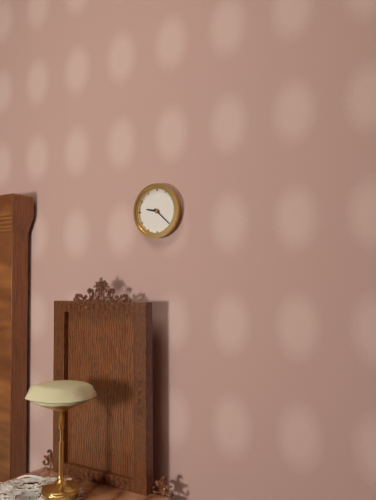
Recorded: 9h22
